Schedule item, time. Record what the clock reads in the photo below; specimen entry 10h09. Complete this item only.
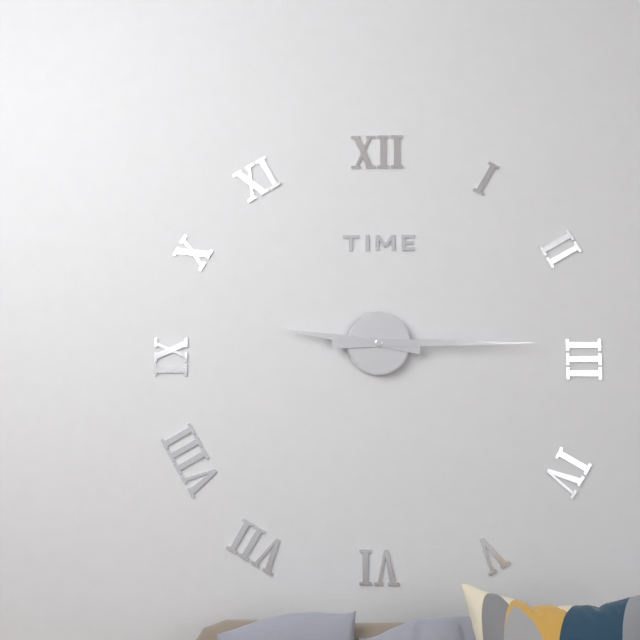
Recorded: 9h15
